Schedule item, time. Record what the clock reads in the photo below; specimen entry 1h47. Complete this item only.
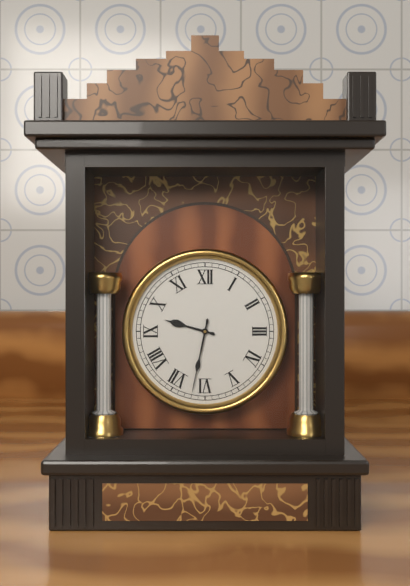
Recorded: 9h32
